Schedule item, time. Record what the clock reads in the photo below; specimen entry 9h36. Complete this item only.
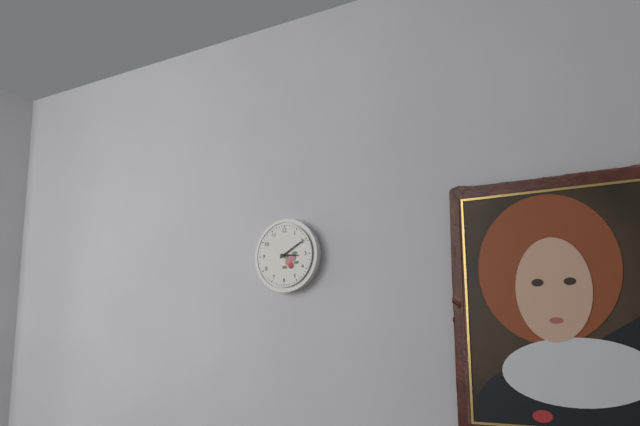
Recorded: 3h10
